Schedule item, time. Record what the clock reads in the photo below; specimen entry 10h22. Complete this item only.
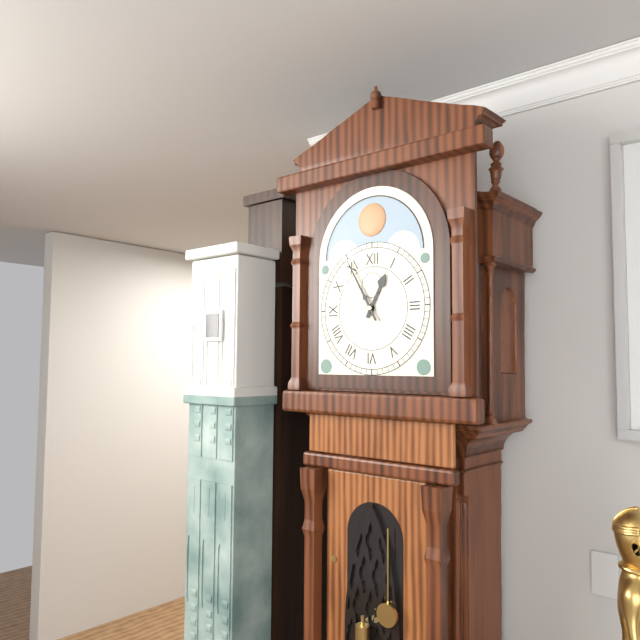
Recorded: 12h55
